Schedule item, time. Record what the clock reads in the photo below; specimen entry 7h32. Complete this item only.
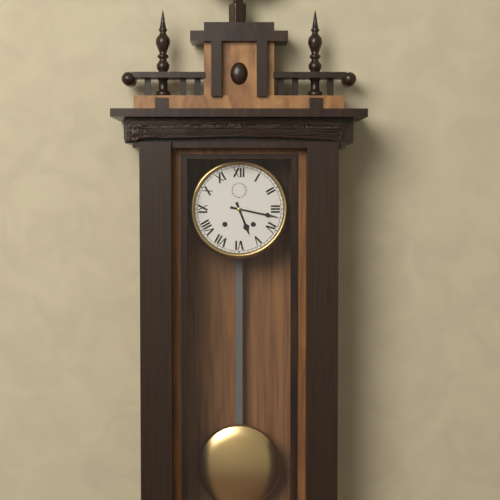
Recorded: 5h17
